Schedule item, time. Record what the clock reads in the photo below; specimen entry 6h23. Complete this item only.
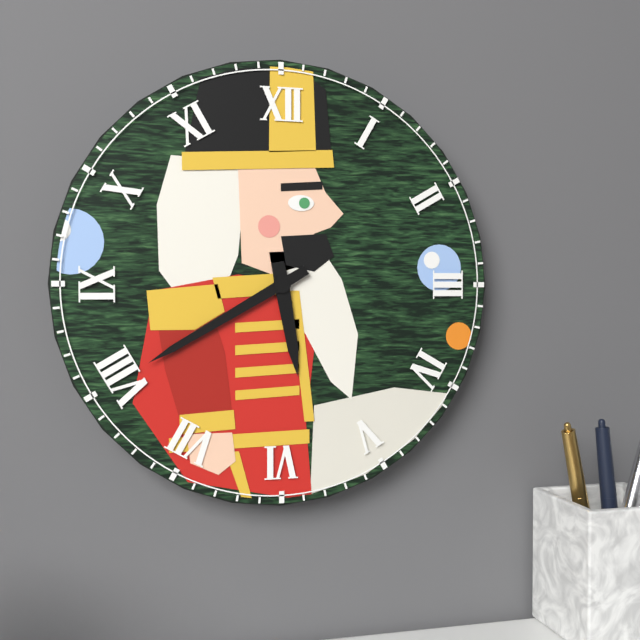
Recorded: 5h40
